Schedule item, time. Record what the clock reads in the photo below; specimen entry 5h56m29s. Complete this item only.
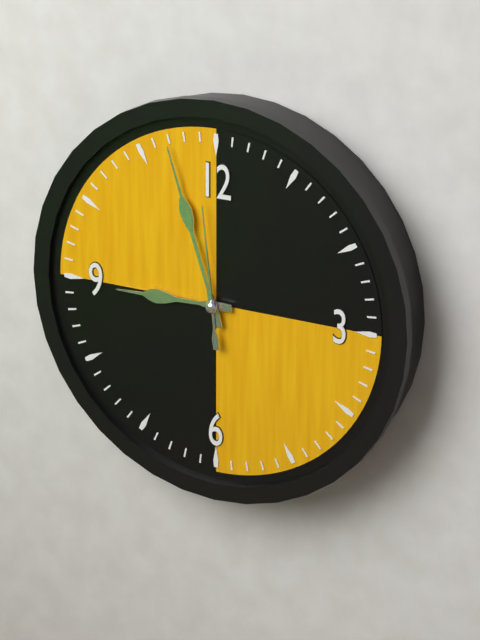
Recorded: 8h57m59s
